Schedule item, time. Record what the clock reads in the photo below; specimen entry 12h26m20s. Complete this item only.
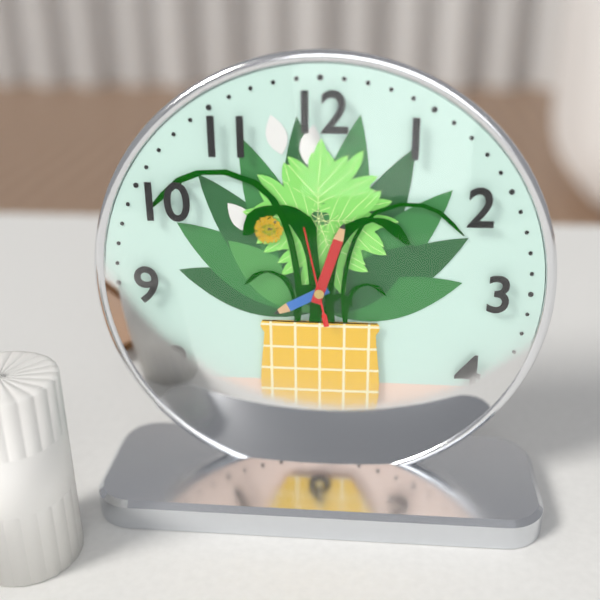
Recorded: 8h03m58s
